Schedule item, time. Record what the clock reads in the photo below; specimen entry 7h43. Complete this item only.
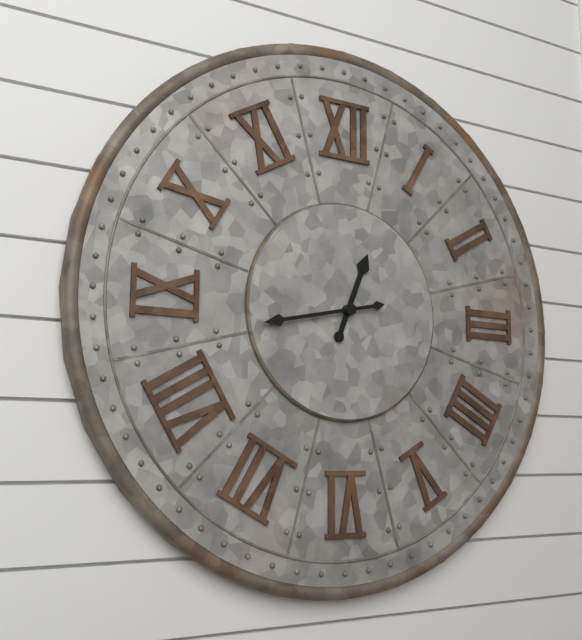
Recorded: 12h43
